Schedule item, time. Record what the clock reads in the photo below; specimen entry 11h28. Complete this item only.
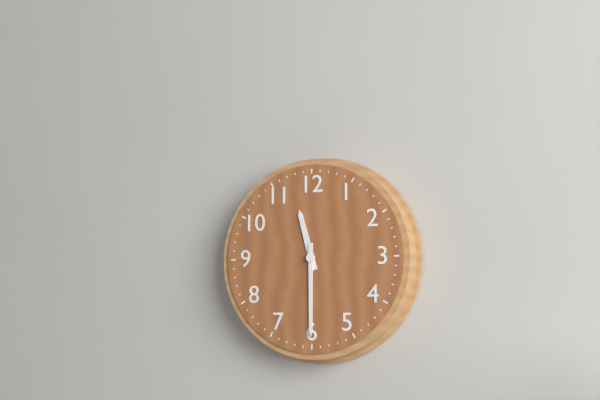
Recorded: 11h30
